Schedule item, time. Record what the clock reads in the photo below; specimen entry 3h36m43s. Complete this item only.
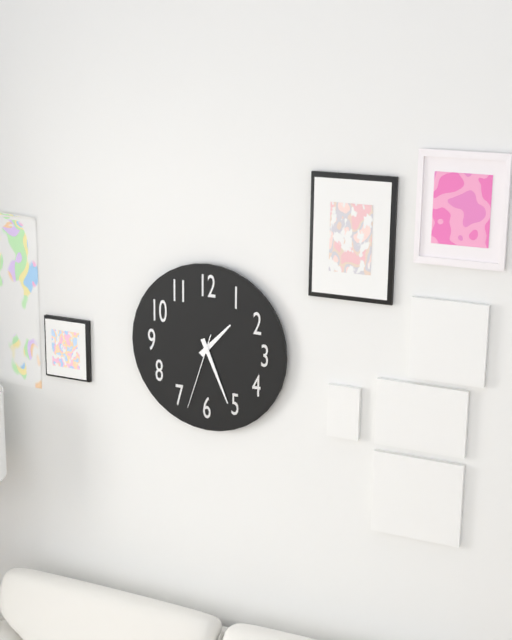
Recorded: 1h26m33s
